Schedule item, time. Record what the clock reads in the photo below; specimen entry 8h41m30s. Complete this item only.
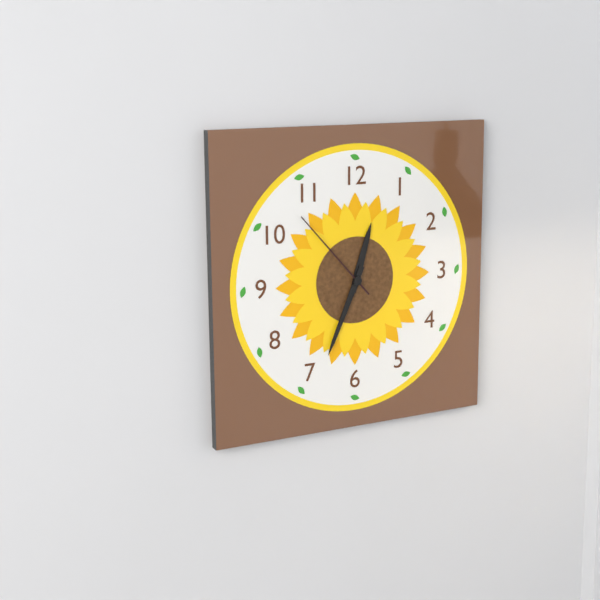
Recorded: 12h34m53s
